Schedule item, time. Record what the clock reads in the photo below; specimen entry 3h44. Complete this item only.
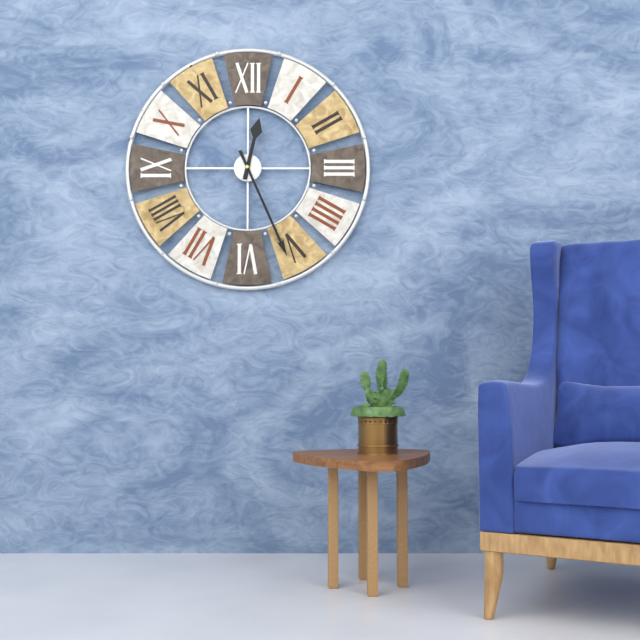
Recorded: 12h26
